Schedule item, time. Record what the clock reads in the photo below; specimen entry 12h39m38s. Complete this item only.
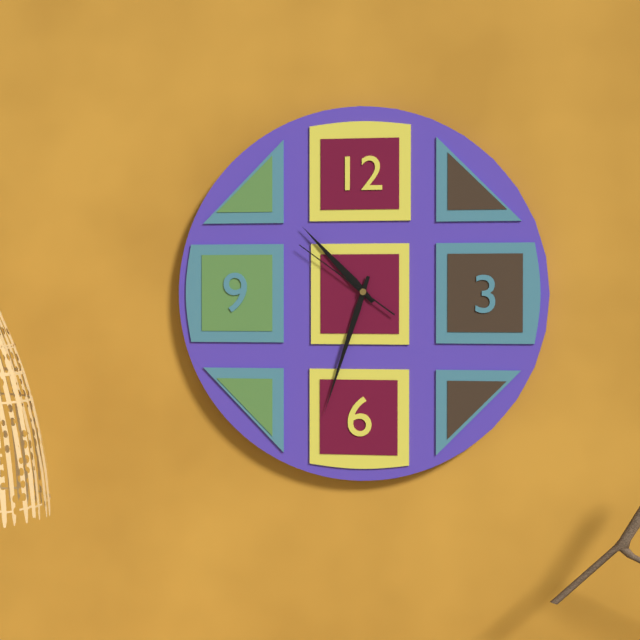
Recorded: 10h33m51s
